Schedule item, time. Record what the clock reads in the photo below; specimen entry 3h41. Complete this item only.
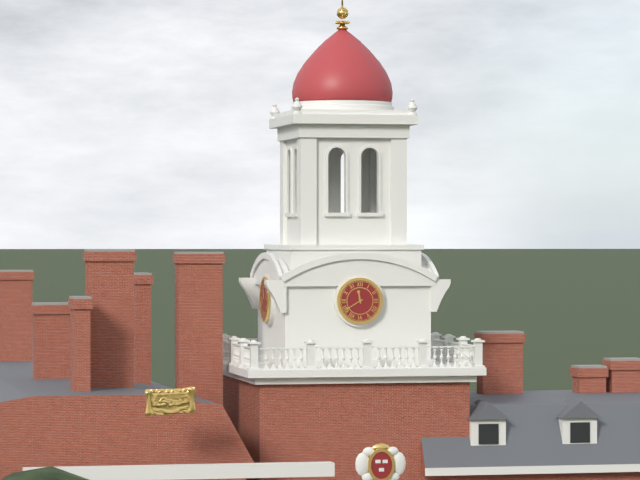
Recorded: 11h40
